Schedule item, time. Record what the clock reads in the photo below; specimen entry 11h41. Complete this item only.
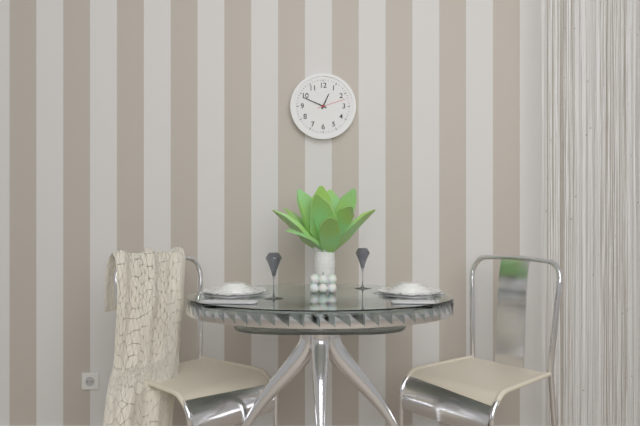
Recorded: 12h49
